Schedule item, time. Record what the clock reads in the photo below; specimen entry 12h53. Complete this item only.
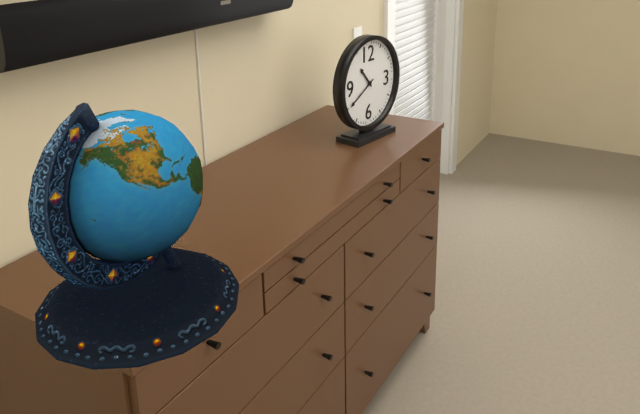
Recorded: 10h40
